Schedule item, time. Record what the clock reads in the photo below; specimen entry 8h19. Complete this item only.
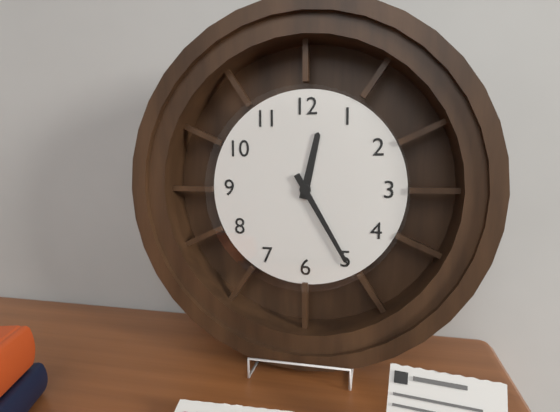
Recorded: 12h25
